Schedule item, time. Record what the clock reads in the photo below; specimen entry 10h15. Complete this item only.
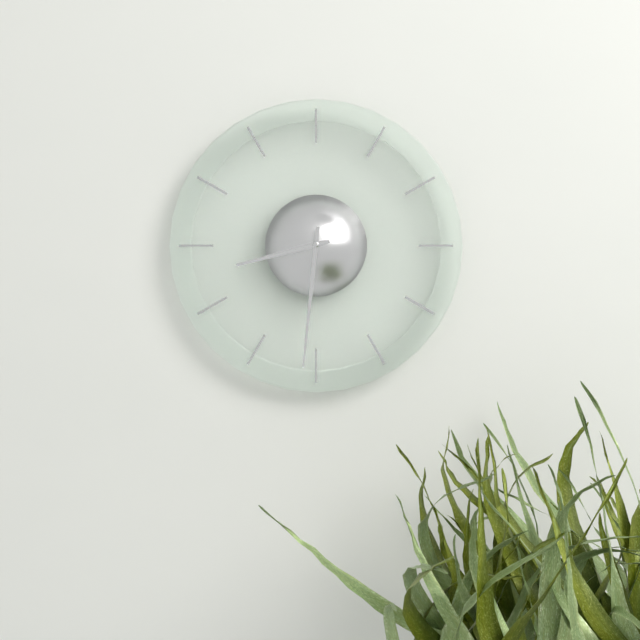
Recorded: 8h31
